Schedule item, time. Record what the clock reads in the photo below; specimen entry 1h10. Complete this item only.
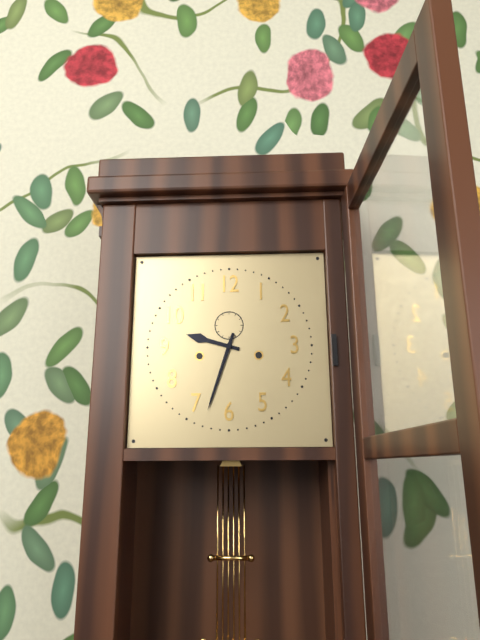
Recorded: 9h33
